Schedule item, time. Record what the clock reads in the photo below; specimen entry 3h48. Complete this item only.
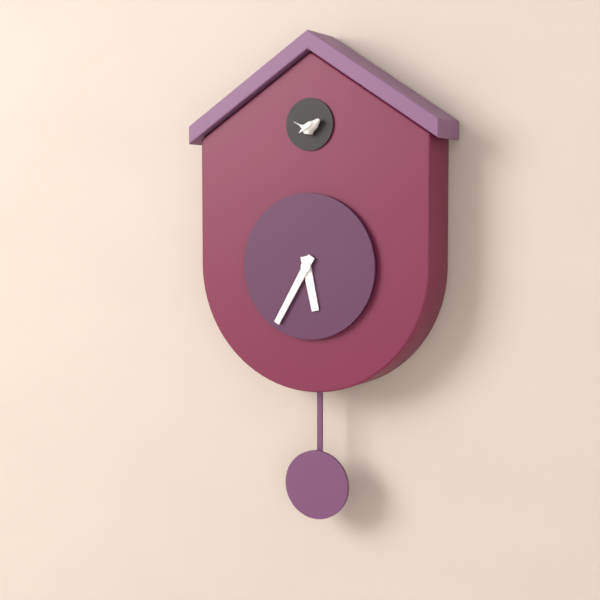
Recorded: 5h35
